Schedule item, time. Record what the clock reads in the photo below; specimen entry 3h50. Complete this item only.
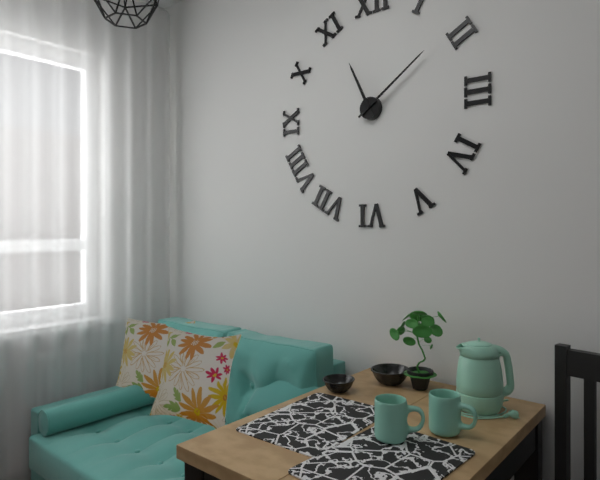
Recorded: 11h09
